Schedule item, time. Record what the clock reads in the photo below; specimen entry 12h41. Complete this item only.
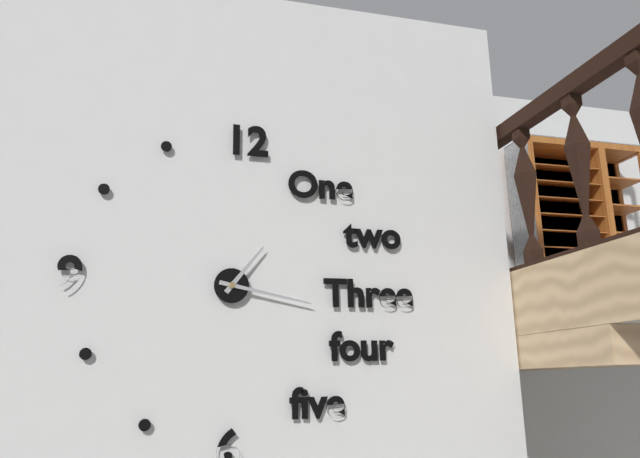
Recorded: 1h17
